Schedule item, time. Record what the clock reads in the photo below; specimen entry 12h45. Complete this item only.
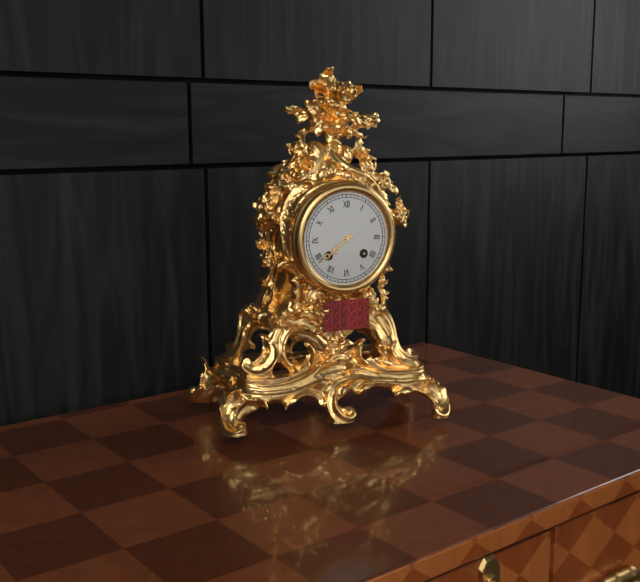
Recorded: 7h39
